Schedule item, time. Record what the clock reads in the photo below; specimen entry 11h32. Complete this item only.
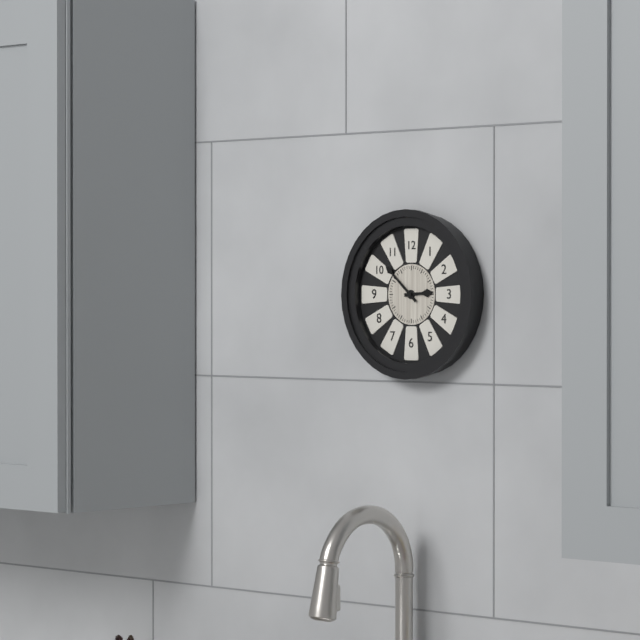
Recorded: 2h52
